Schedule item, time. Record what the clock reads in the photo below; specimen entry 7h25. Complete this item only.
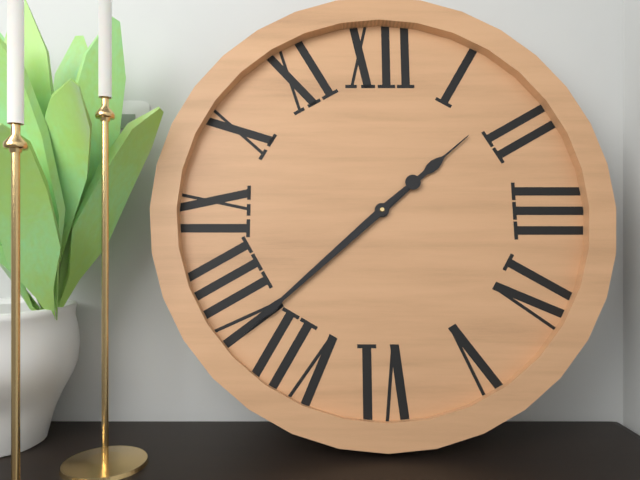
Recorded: 1h38
